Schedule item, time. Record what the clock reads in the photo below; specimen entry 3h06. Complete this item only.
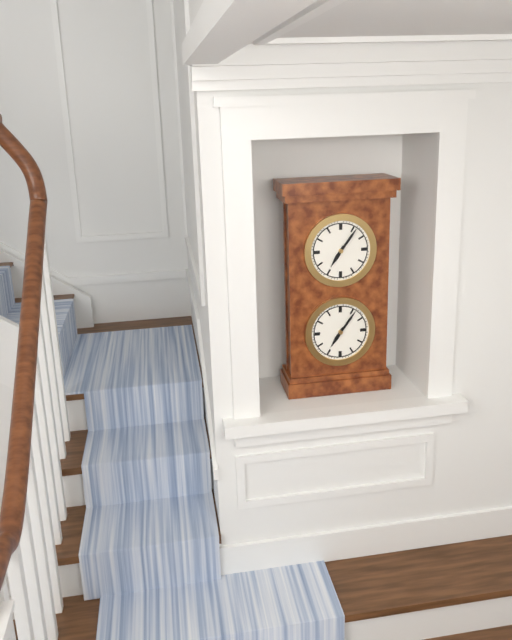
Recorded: 7h06
